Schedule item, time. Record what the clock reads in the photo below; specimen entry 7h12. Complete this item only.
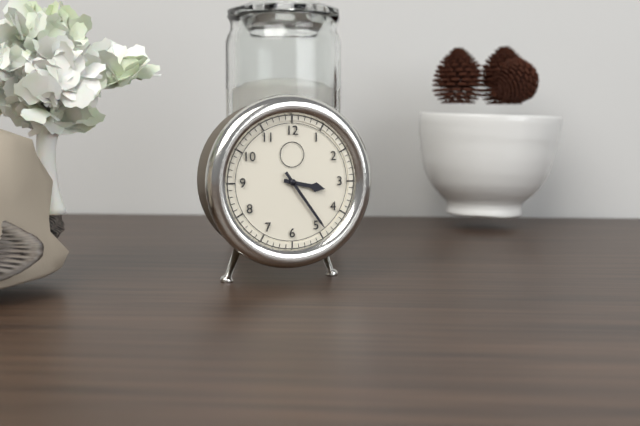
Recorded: 3h24
